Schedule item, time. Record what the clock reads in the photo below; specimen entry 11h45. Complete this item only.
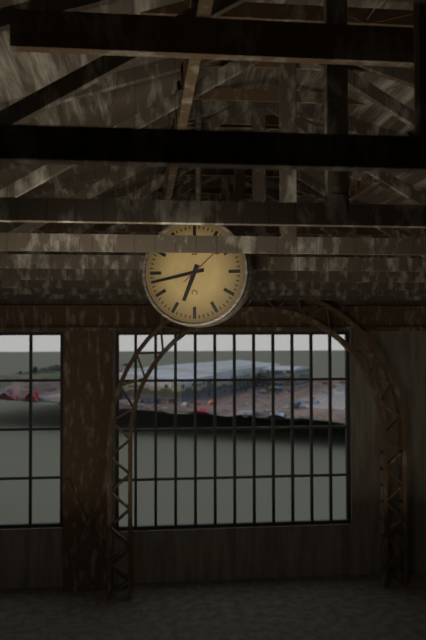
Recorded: 6h43
